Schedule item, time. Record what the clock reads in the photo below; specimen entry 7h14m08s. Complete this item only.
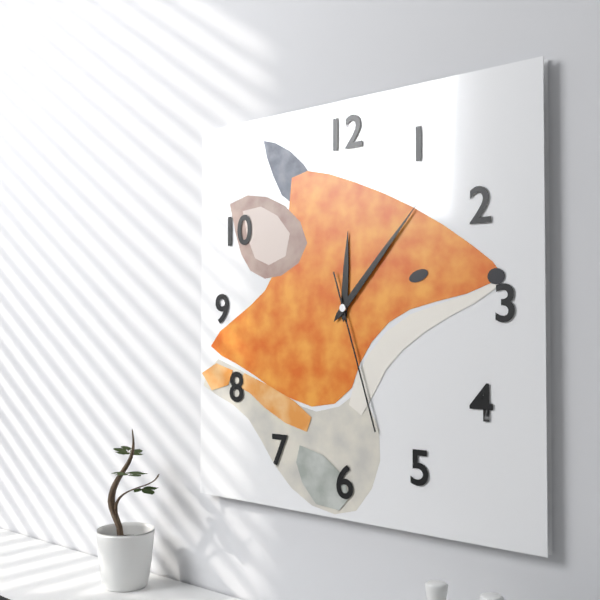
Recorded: 12h07m27s
